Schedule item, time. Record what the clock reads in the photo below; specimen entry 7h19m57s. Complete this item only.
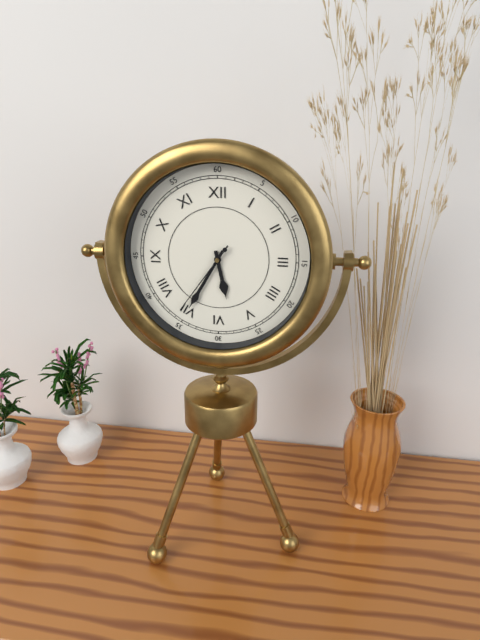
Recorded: 5h35m36s
